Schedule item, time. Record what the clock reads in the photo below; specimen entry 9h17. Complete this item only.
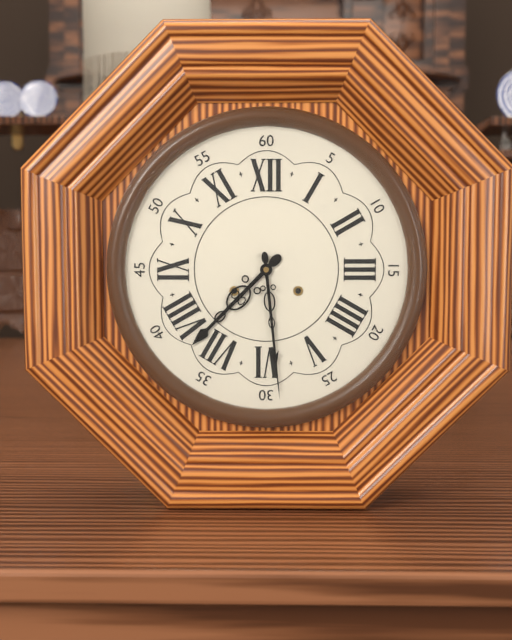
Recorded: 7h29
